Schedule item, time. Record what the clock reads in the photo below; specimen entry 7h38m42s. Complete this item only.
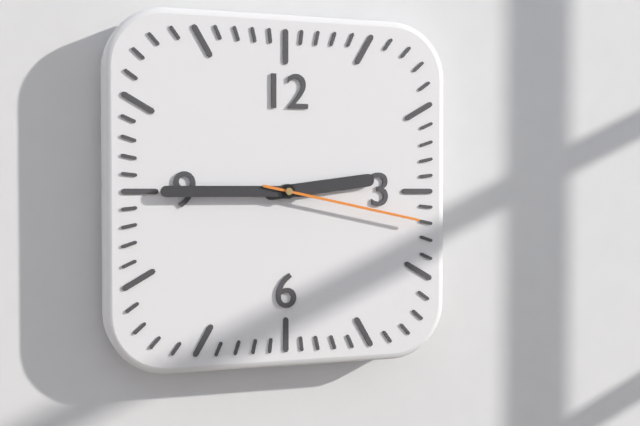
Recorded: 2h45m17s
